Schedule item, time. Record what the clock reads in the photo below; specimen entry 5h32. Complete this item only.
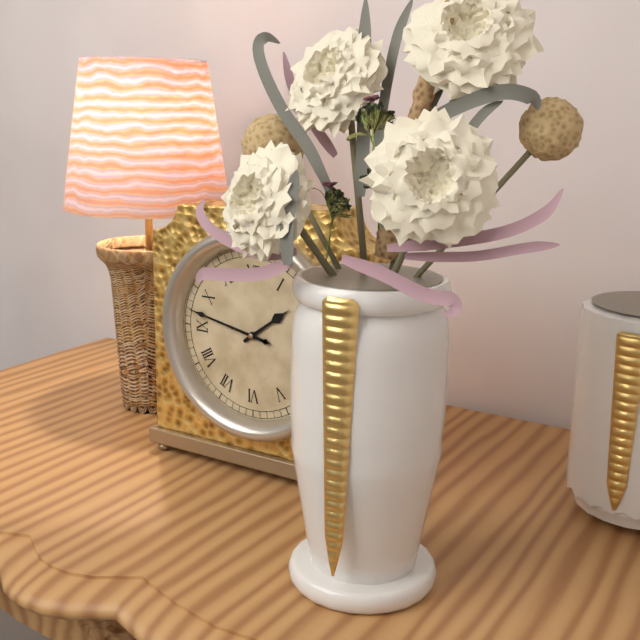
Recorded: 1h47
